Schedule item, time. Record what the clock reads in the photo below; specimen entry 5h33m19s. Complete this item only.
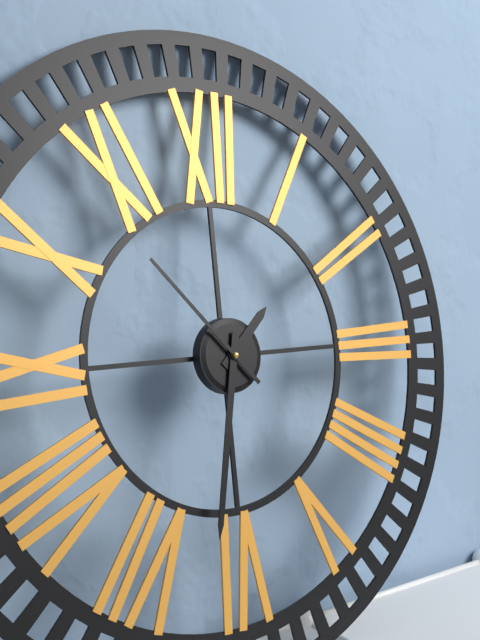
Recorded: 1h32m53s
